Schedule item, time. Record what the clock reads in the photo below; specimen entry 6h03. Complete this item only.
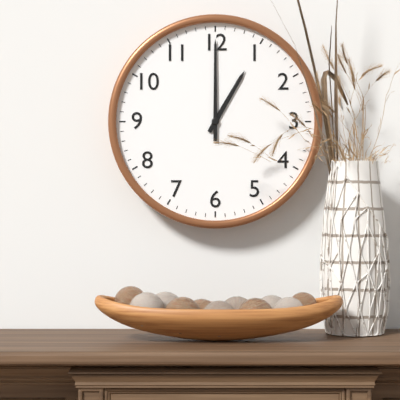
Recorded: 1h00
